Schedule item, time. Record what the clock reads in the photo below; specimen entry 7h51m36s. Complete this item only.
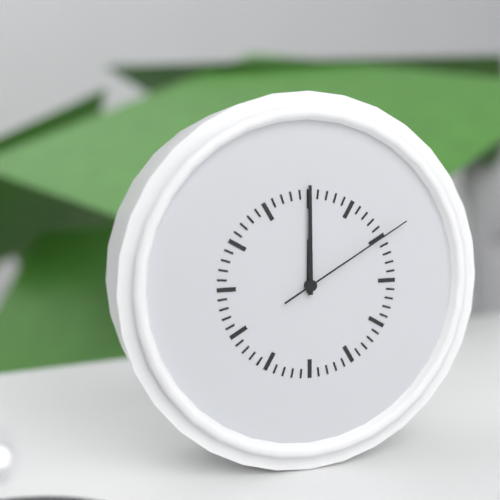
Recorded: 12h00m10s
